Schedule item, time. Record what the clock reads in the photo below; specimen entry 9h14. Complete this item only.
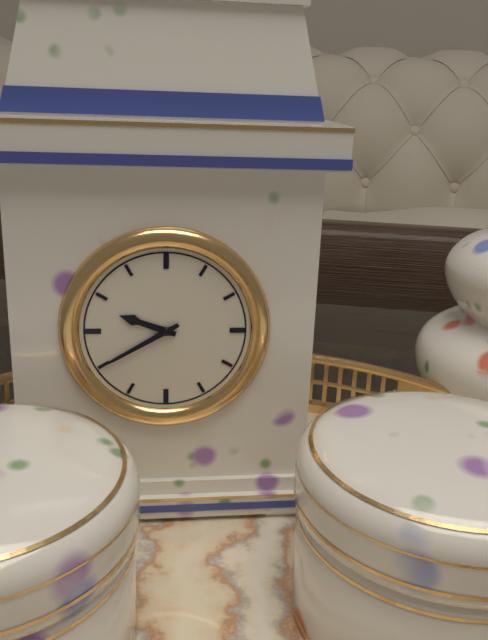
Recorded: 9h40
